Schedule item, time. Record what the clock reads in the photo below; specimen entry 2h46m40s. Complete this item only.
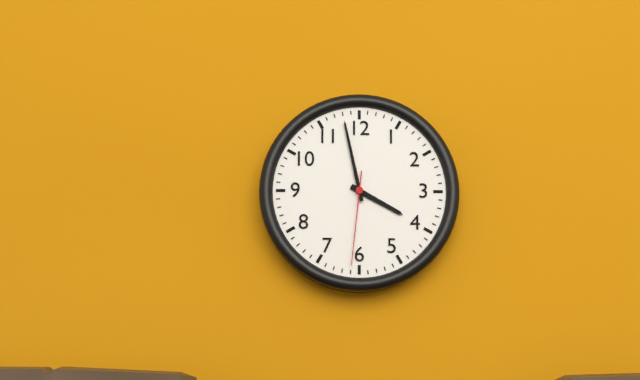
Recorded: 3h58m31s
